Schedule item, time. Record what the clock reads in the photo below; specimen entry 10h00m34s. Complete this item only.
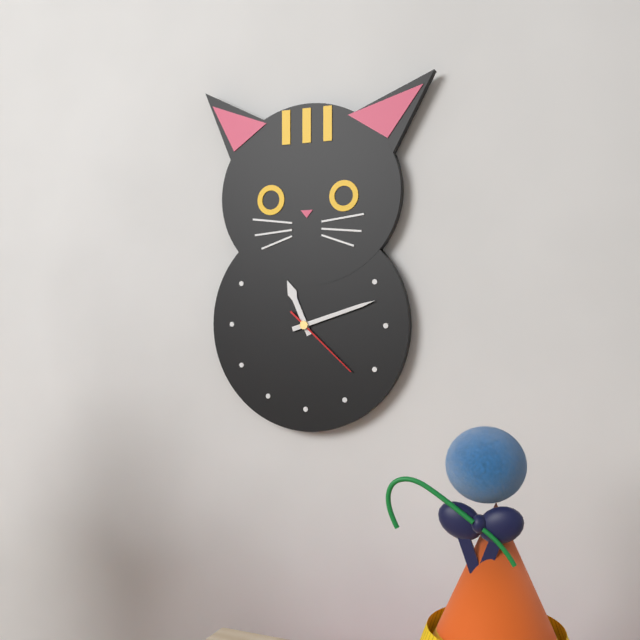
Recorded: 11h12m22s
